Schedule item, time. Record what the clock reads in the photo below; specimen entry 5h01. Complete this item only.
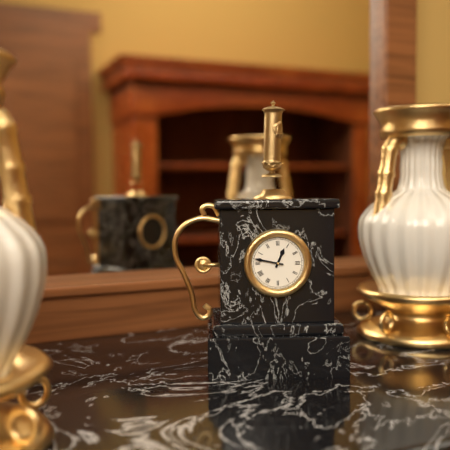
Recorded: 12h47
